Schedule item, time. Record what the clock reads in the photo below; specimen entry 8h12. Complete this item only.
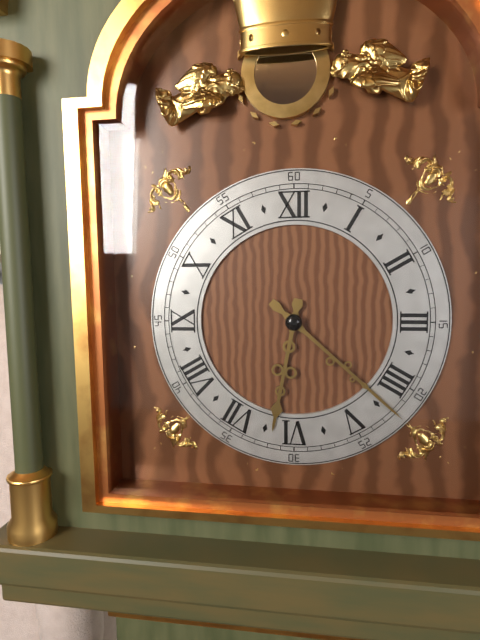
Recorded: 6h22
